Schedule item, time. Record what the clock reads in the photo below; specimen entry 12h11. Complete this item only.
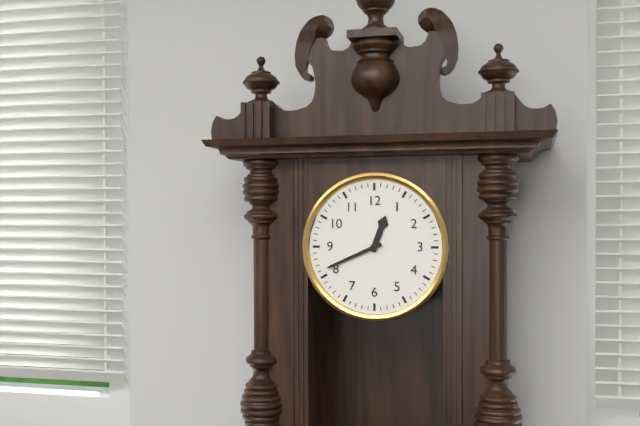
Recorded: 12h41
